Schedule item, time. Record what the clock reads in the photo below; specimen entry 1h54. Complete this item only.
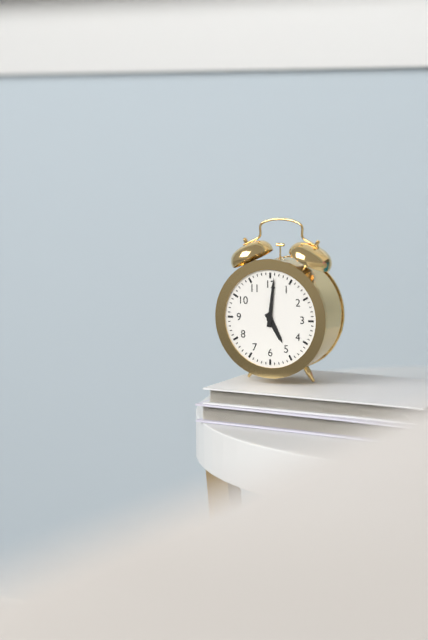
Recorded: 5h01
